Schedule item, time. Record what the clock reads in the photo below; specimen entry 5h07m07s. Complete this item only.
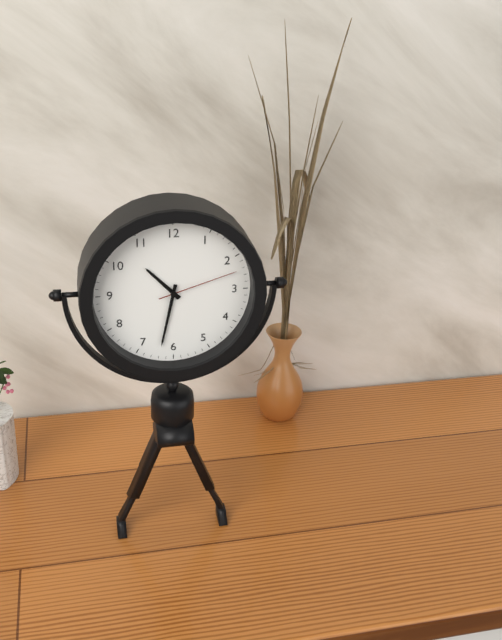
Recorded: 10h32m12s
